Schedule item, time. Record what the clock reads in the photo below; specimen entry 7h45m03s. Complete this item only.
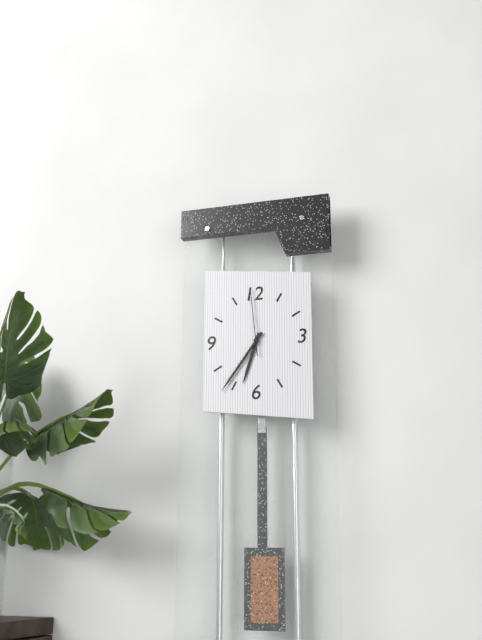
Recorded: 6h36m59s
